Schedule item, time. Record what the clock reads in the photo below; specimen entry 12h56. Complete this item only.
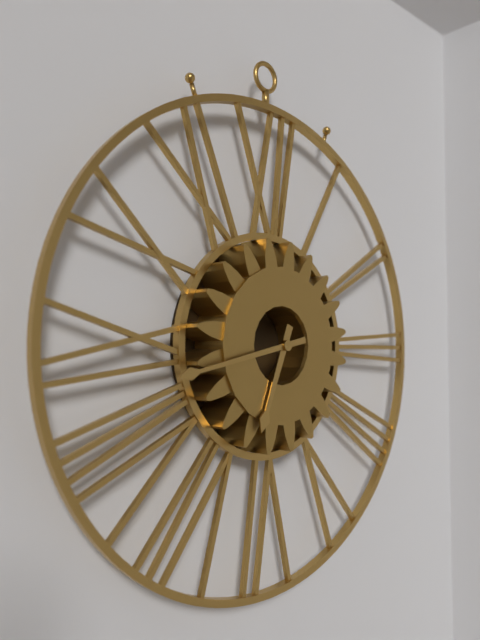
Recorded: 6h43
